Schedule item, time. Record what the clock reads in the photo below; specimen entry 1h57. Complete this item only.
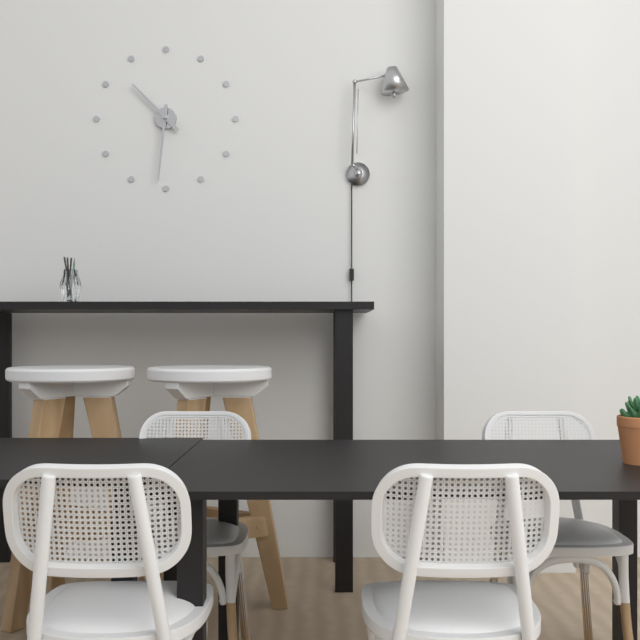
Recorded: 10h31
